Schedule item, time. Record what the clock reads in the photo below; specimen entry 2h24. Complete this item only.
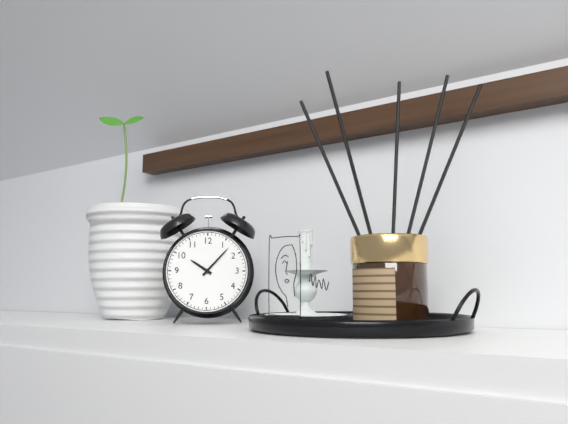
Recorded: 10h07
